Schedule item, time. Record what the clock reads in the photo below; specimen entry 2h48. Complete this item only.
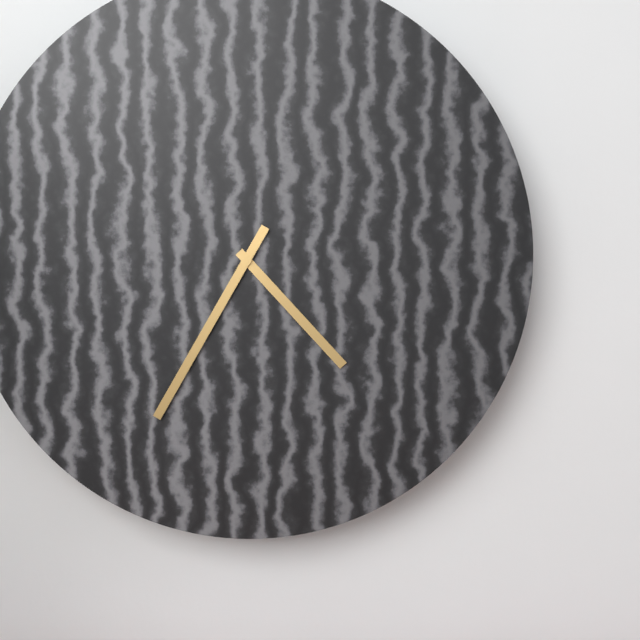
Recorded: 4h35
